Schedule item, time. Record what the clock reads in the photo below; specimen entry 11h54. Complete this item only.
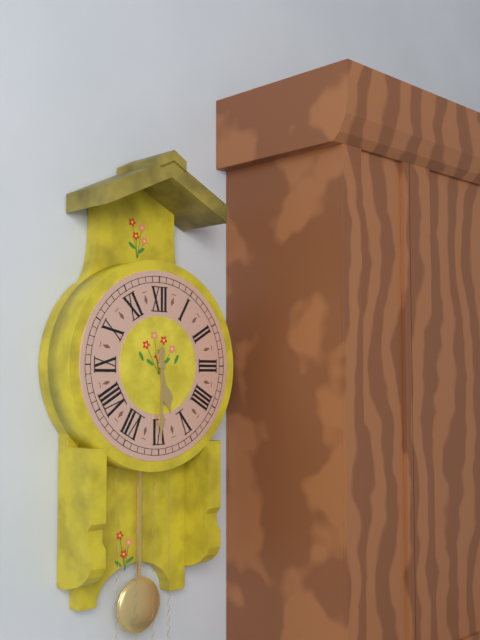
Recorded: 5h30
